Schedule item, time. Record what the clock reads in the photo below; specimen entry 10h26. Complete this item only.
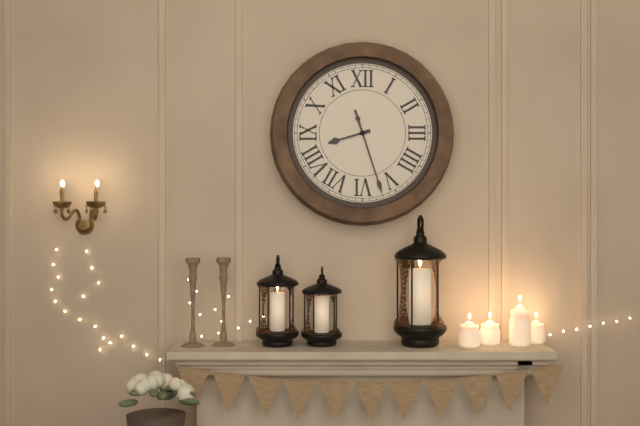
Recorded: 8h27
